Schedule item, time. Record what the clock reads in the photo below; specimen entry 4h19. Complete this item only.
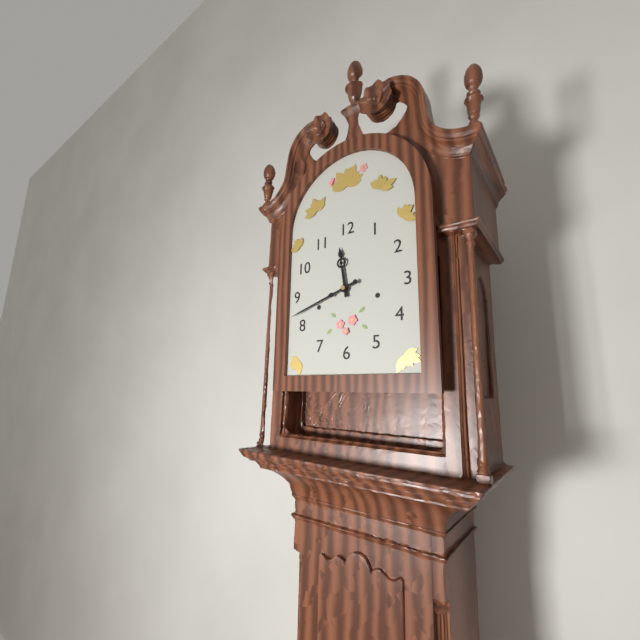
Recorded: 11h42
